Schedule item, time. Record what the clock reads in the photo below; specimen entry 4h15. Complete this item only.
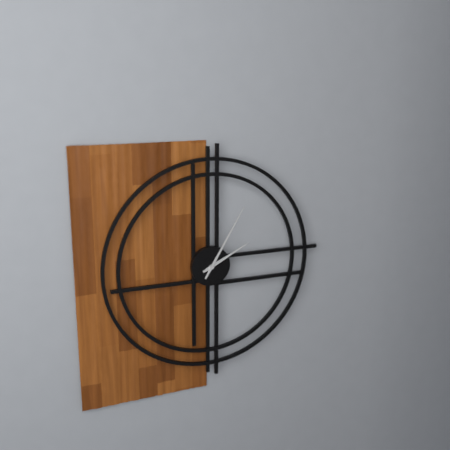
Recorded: 2h05
